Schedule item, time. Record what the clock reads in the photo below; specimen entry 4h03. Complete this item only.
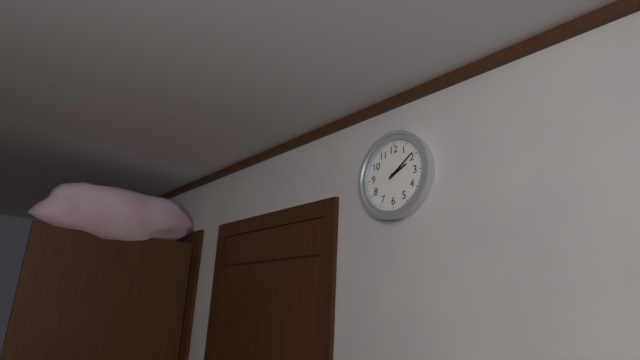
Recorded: 2h09
